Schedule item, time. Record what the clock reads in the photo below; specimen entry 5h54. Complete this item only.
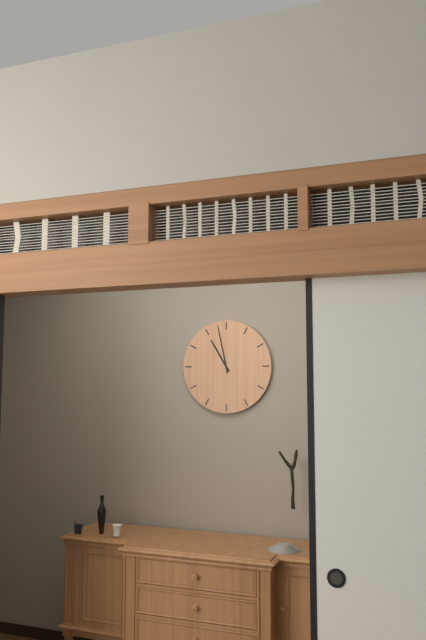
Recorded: 10h58
